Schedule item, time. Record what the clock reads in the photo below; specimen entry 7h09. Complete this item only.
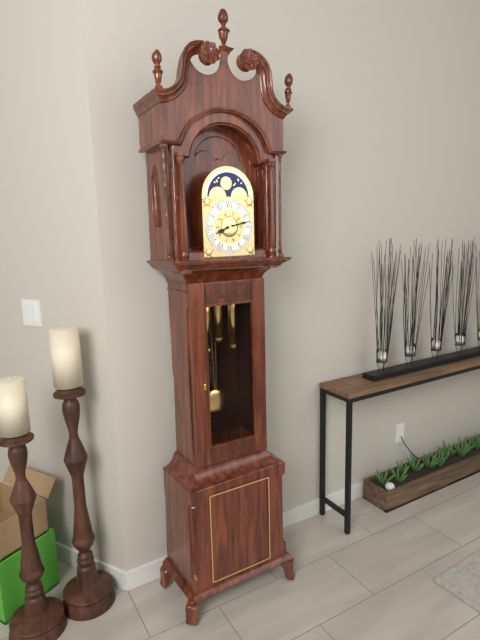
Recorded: 8h13
